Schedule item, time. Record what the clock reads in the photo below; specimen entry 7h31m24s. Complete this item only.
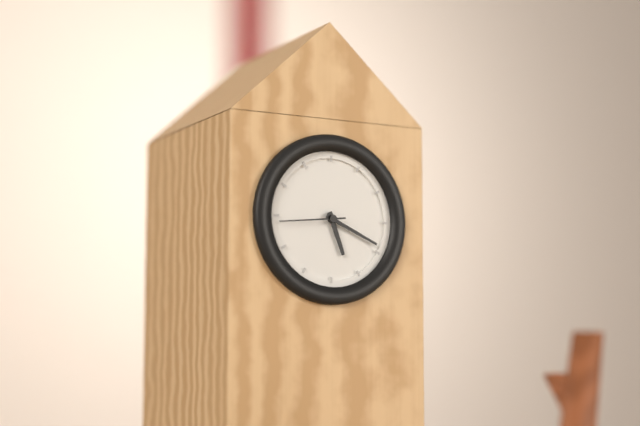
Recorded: 5h19m44s
